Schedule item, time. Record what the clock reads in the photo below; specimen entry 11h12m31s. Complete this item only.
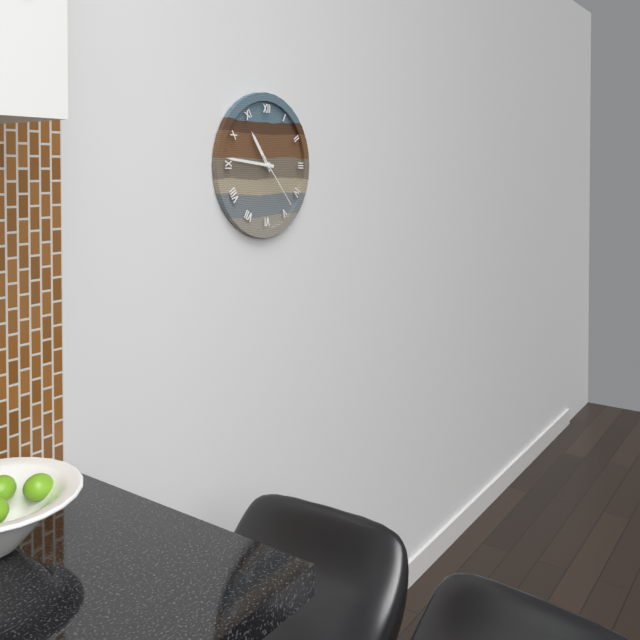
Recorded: 10h46m23s
